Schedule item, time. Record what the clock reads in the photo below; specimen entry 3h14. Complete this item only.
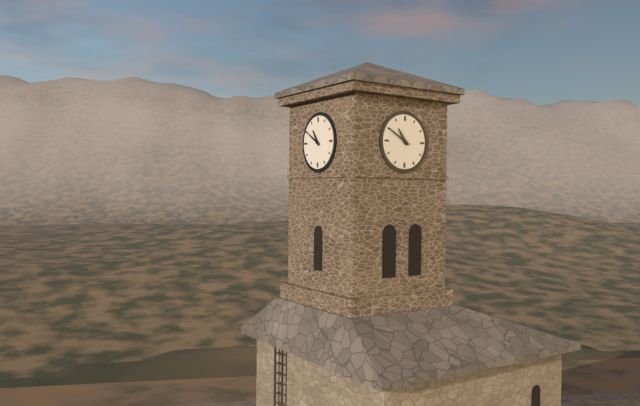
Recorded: 10h50
